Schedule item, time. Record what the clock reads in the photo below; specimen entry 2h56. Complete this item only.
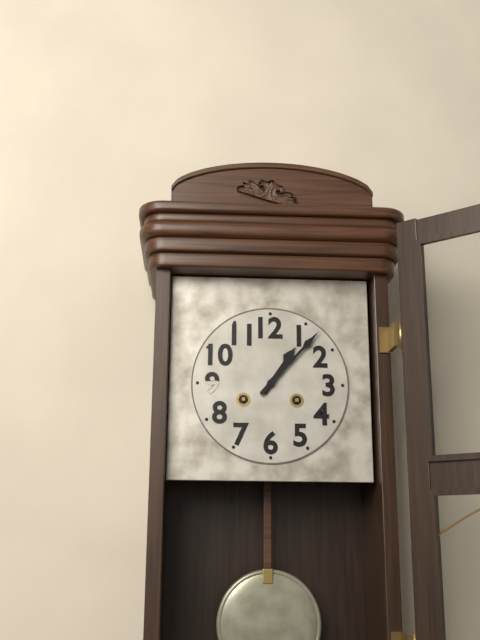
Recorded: 1h07
